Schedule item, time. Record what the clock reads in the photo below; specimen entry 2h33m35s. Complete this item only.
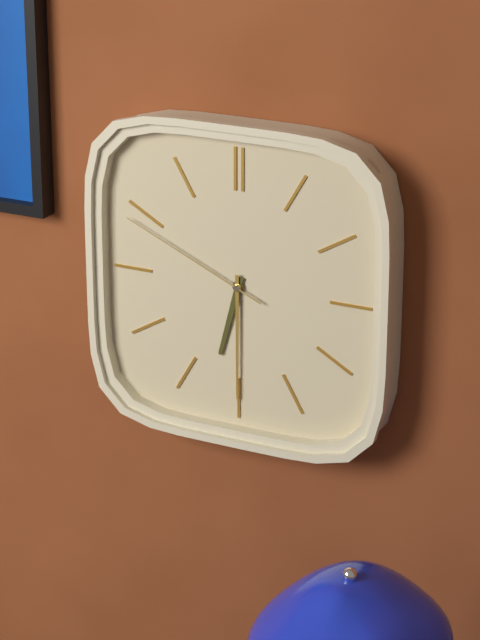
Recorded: 6h30m49s
